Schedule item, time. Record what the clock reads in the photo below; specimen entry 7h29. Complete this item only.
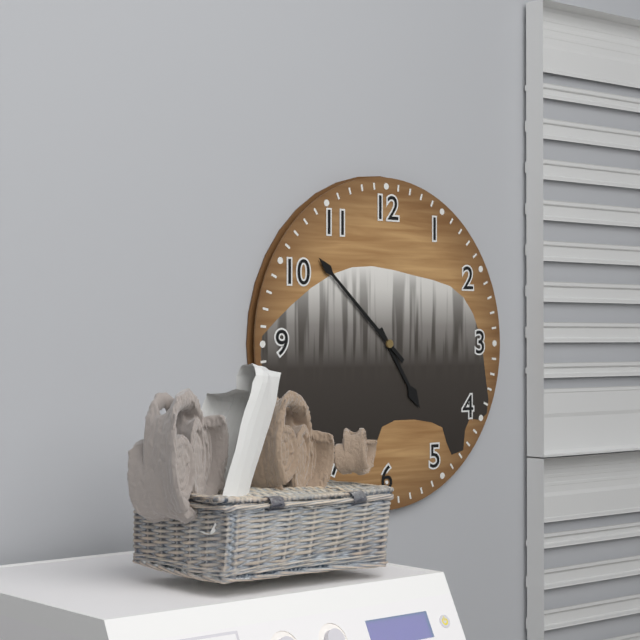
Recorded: 4h52
